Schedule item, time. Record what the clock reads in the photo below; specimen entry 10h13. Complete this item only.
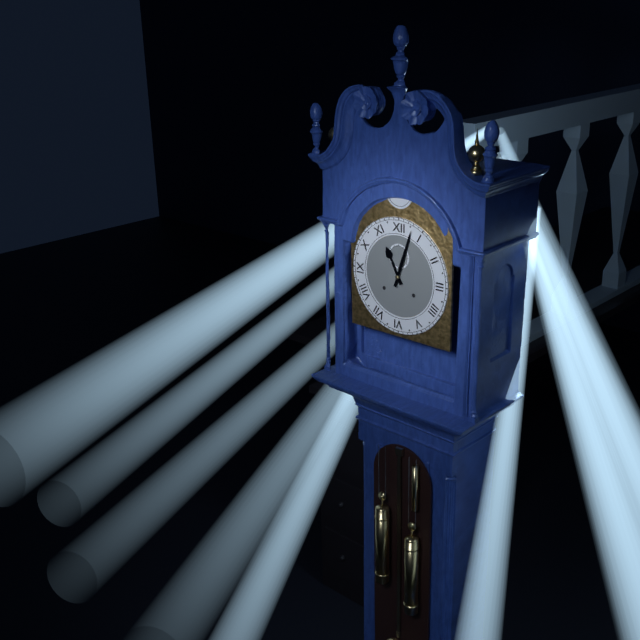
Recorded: 11h03
